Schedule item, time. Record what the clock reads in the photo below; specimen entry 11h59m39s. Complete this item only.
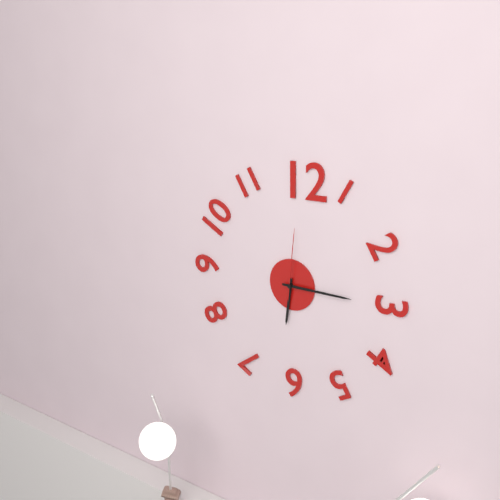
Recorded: 6h15m01s
